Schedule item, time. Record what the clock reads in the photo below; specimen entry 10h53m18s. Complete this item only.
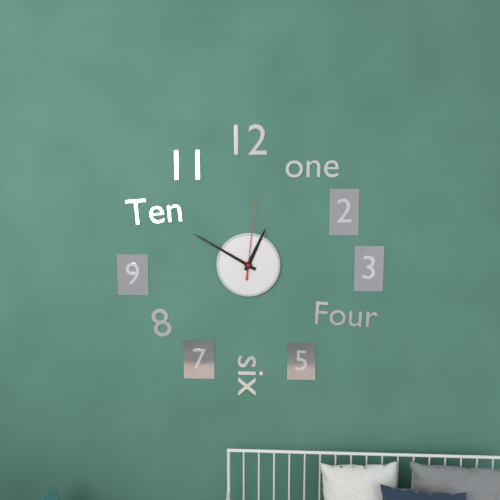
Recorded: 12h50m01s
